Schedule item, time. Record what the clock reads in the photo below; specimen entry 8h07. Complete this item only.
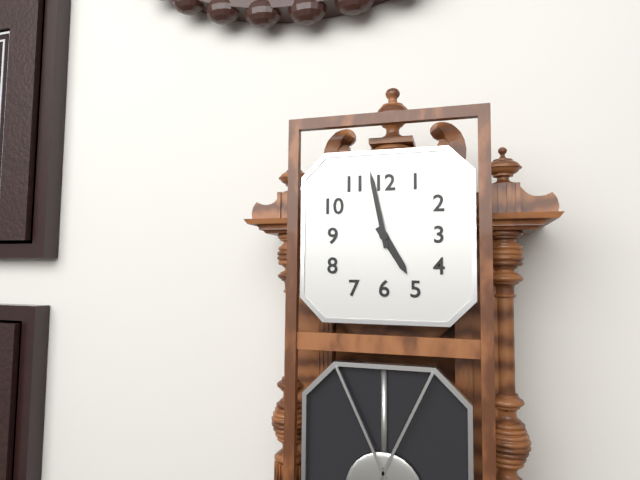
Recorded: 4h58
